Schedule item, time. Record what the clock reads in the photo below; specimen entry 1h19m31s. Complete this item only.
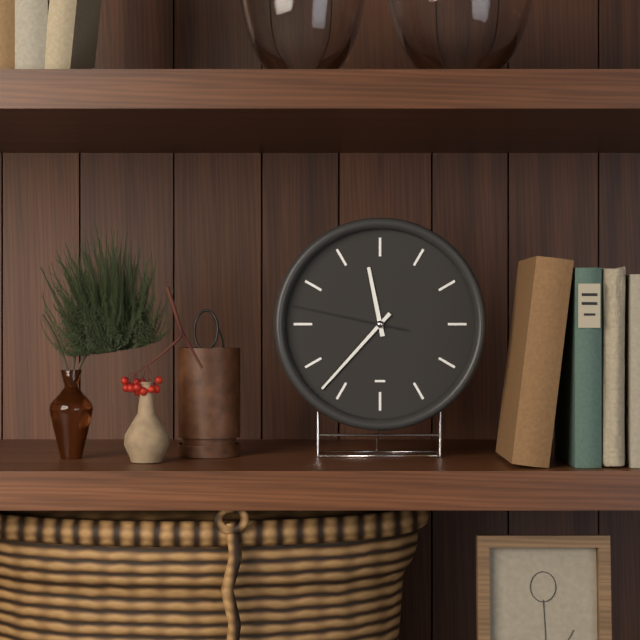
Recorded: 11h37m47s
